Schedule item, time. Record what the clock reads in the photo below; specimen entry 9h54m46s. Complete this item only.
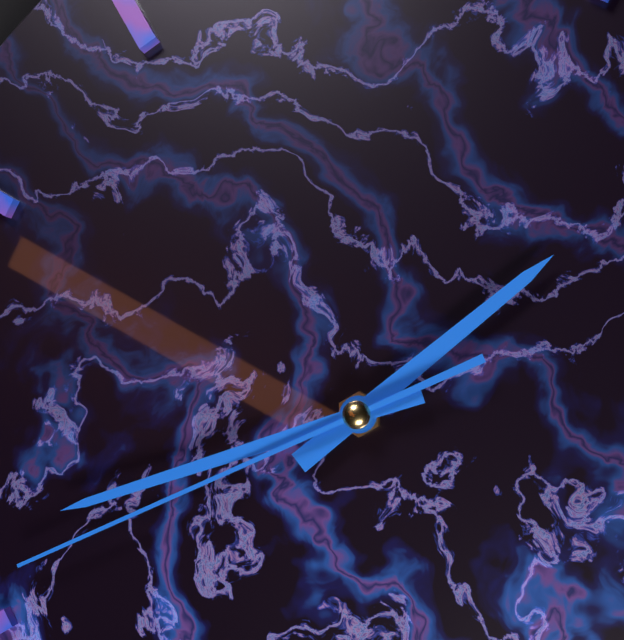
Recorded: 1h42m41s
